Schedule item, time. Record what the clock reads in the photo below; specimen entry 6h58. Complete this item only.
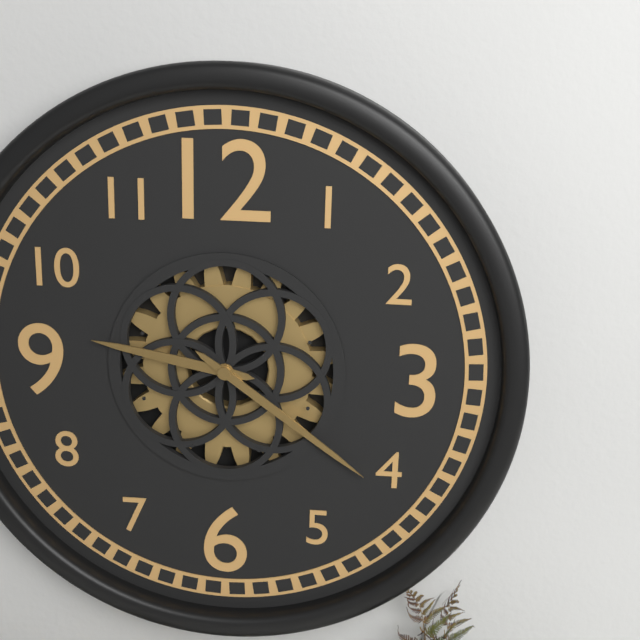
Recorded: 9h21
